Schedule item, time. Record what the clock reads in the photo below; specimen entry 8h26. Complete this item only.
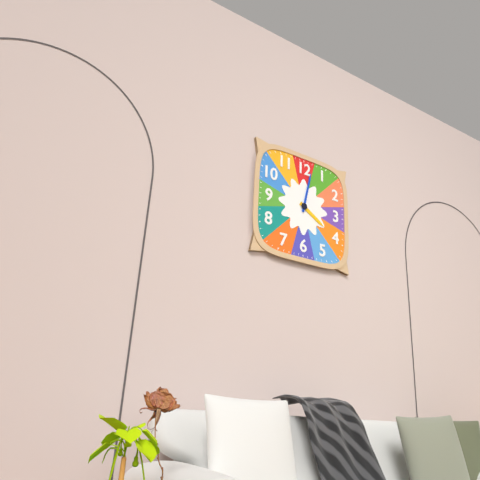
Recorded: 4h02
